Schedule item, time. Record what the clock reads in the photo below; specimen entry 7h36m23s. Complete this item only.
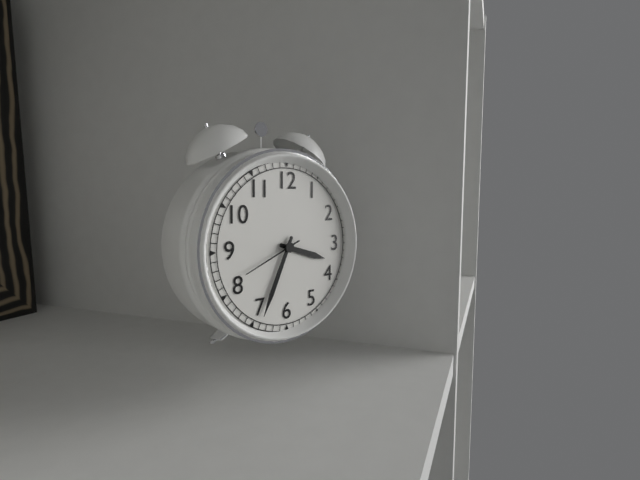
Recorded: 3h34m41s
